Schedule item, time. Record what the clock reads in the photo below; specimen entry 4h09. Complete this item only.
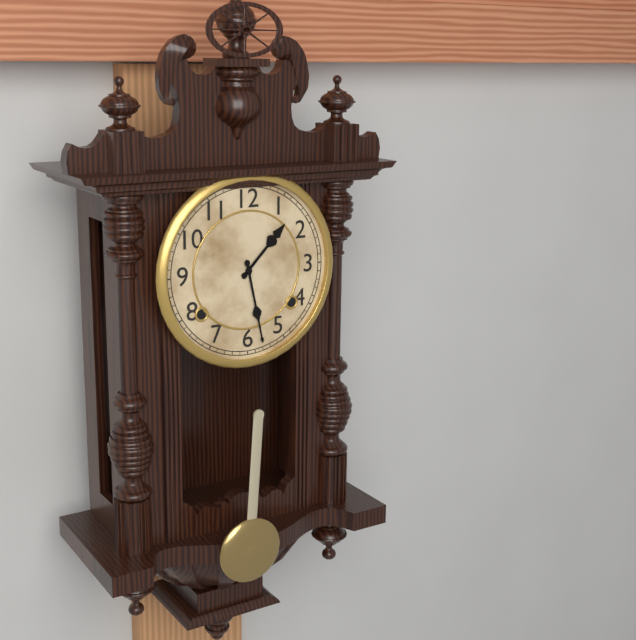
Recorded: 1h28
